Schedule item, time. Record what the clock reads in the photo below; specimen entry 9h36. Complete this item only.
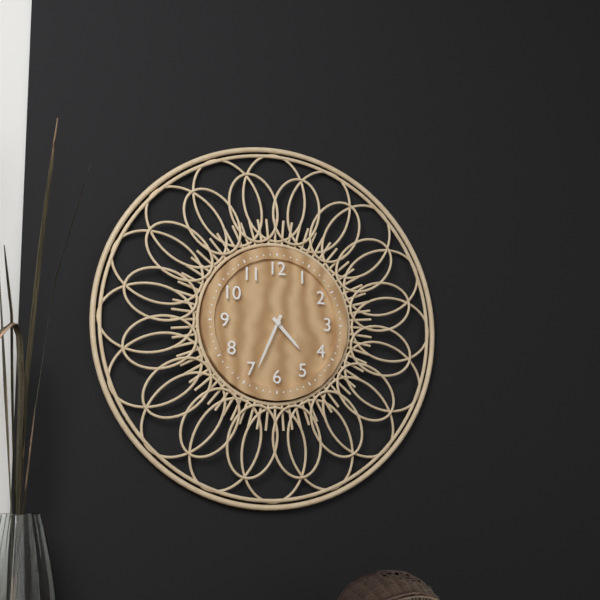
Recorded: 4h34
